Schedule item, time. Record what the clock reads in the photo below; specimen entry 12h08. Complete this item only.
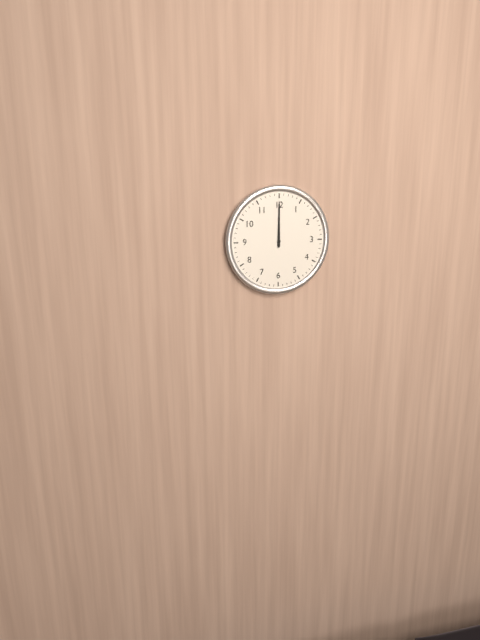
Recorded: 12h00
